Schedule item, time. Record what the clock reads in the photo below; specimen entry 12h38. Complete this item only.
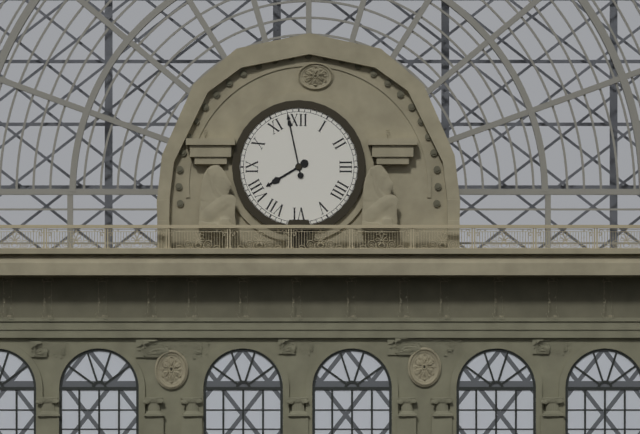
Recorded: 7h58
